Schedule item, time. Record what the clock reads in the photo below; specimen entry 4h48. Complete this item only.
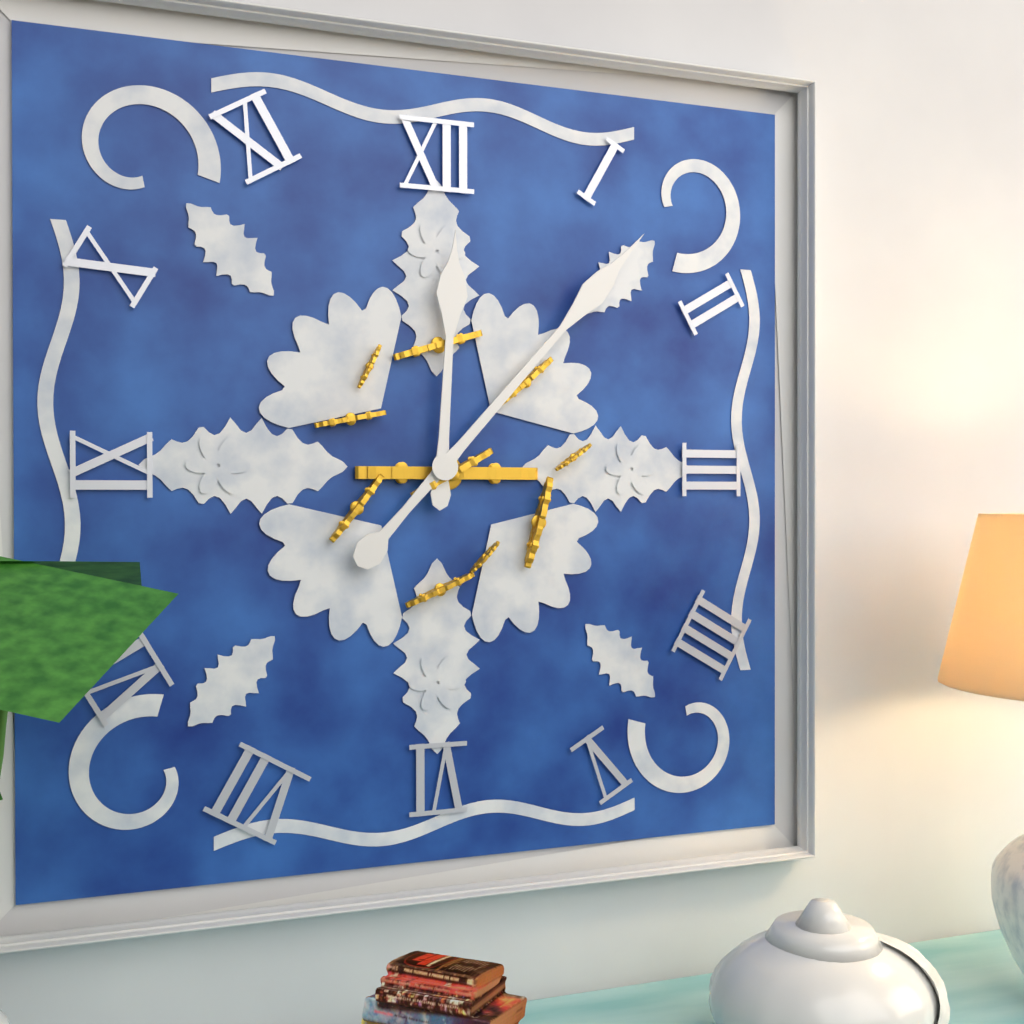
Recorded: 12h07
